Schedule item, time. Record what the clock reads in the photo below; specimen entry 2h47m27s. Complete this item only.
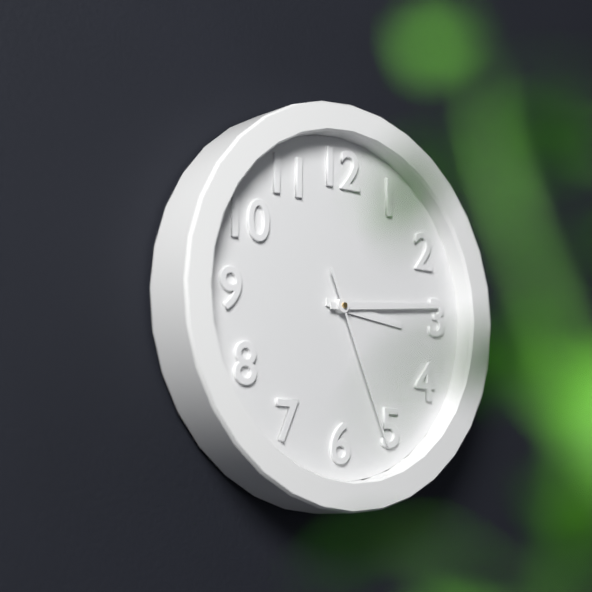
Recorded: 3h14m26s
